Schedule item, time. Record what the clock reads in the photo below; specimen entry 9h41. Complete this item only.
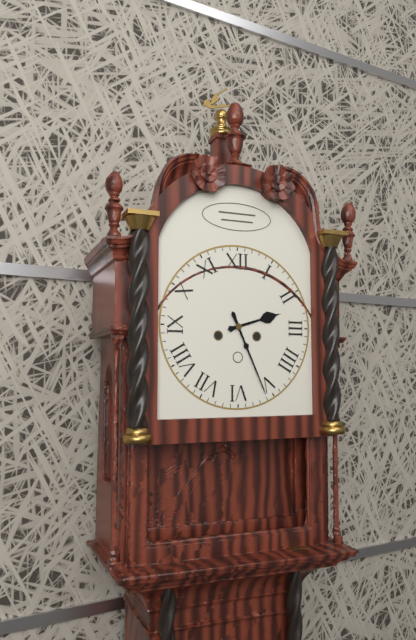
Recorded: 2h26
